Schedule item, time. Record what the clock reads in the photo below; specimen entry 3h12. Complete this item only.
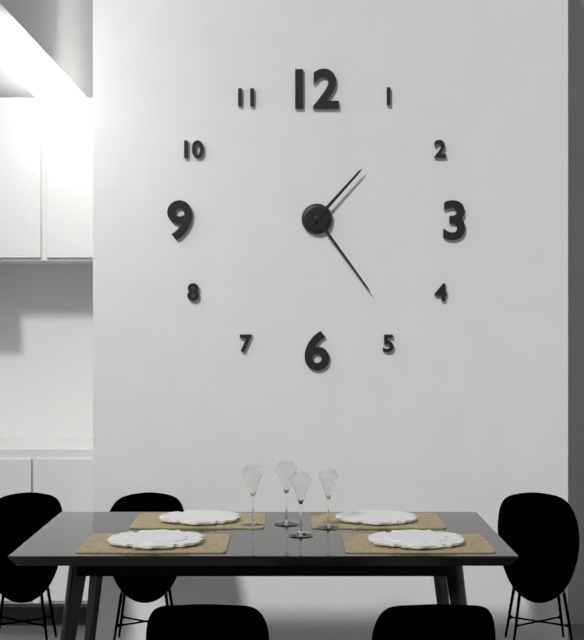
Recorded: 1h24
